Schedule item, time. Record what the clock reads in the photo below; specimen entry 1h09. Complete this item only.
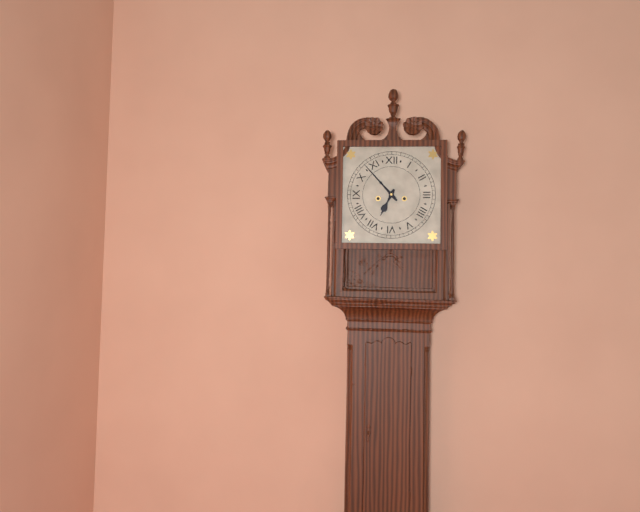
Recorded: 6h53
